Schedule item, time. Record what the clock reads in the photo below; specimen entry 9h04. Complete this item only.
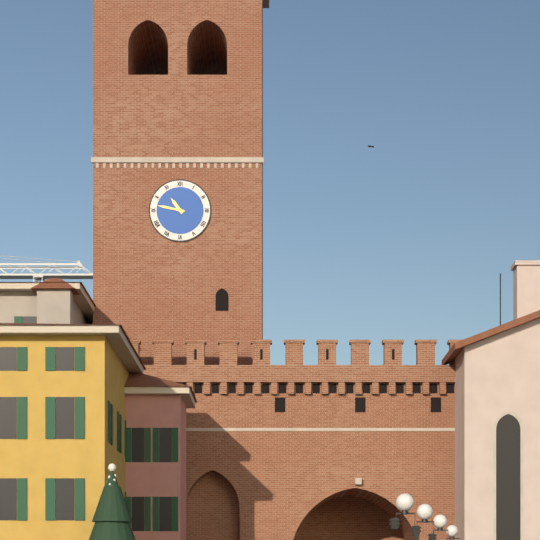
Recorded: 10h47
